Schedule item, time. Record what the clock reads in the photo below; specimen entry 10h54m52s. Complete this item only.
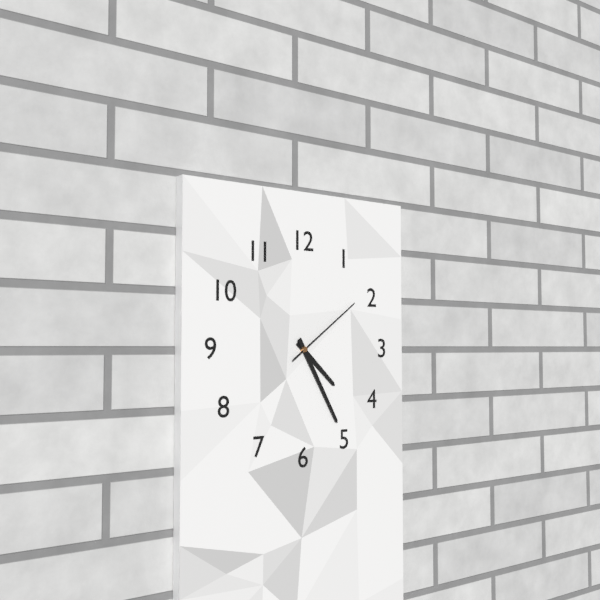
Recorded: 4h25m09s
